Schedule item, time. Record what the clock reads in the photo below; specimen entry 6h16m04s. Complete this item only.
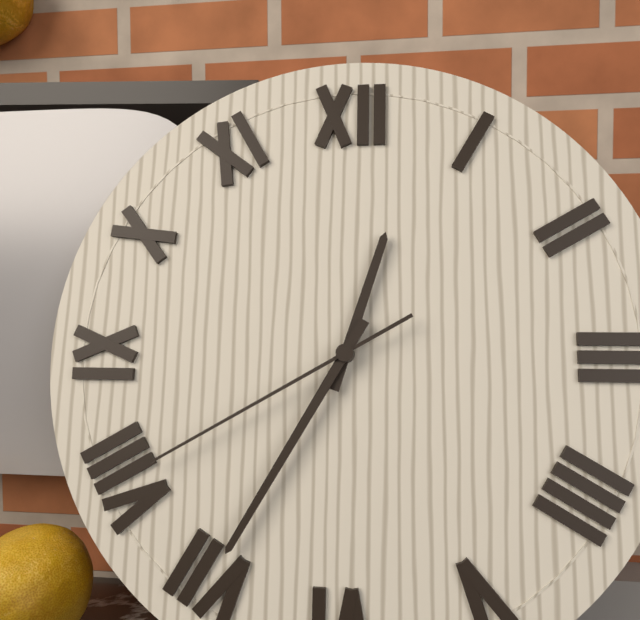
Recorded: 12h35m40s
